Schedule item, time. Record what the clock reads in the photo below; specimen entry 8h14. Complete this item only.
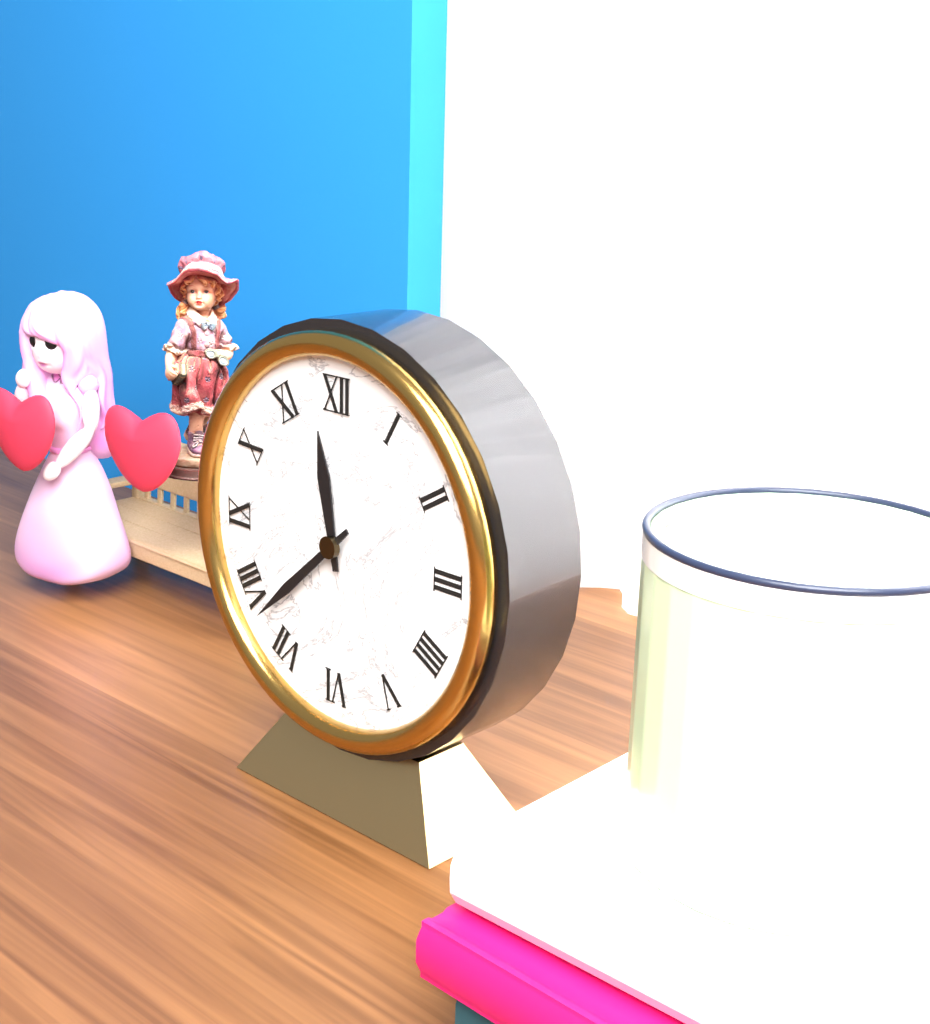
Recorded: 11h38
